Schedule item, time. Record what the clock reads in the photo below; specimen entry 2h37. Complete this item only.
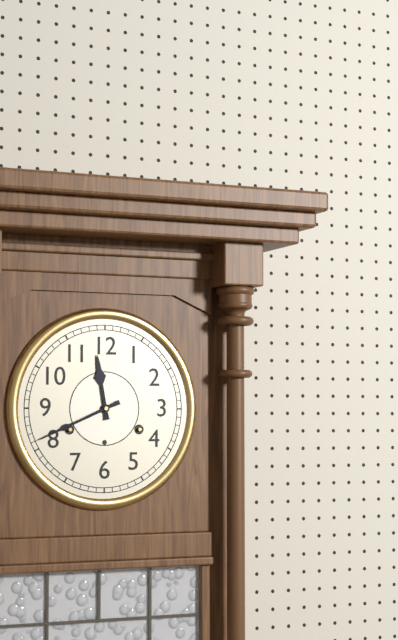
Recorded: 11h41
